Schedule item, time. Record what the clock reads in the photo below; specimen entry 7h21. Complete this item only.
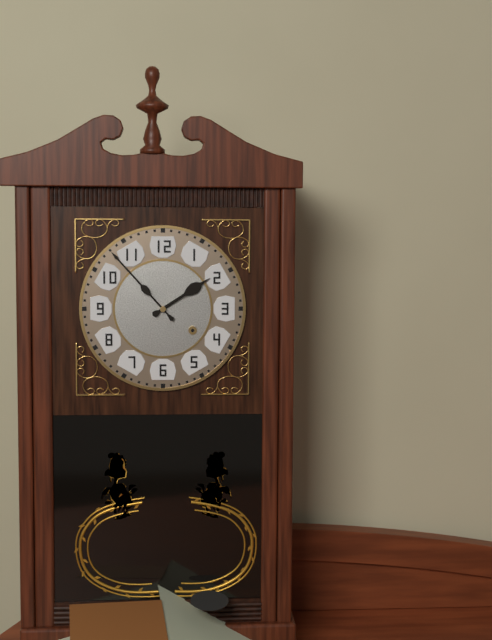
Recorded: 1h53
